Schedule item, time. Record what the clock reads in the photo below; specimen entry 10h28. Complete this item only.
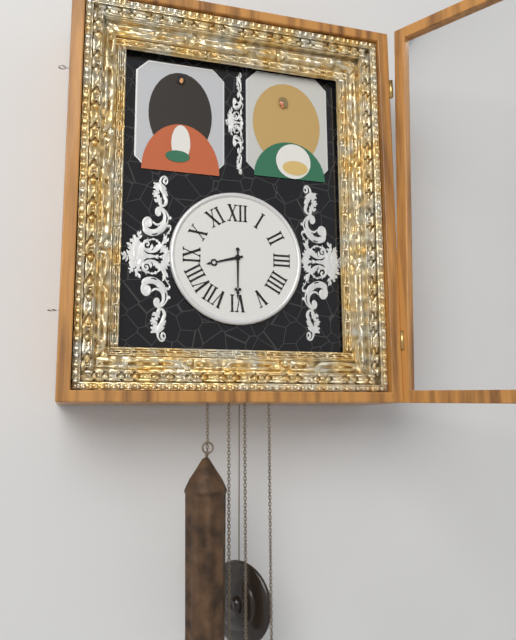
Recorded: 8h30
